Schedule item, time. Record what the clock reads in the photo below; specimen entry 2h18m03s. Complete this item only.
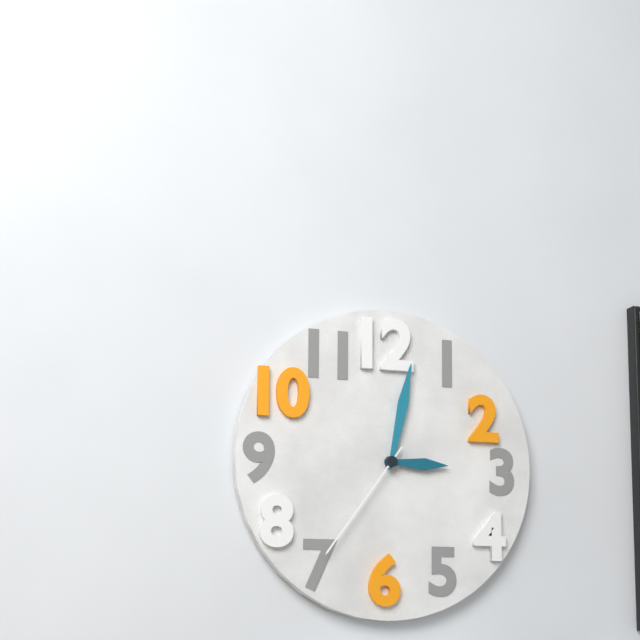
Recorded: 3h02m36s
